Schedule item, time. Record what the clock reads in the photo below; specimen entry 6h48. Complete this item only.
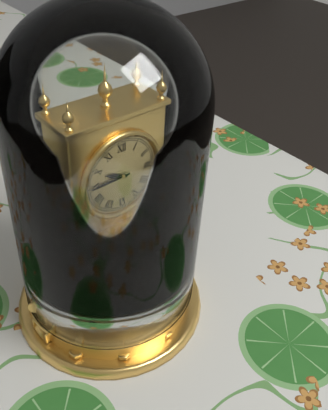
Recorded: 9h45
